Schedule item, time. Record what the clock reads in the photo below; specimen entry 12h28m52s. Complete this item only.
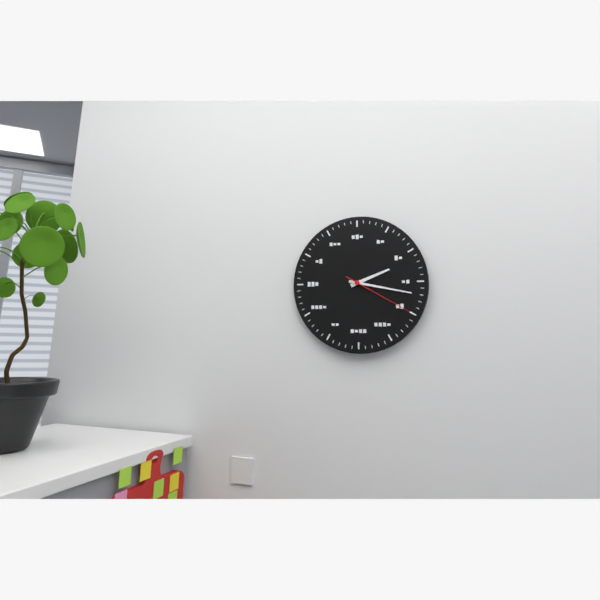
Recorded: 2h17m20s
